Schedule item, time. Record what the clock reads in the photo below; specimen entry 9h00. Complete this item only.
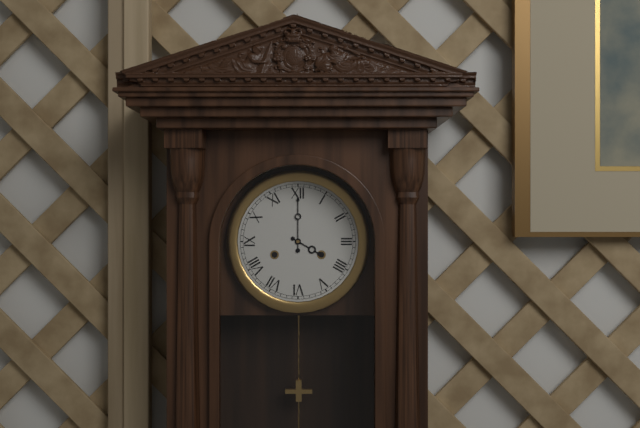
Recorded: 4h00
